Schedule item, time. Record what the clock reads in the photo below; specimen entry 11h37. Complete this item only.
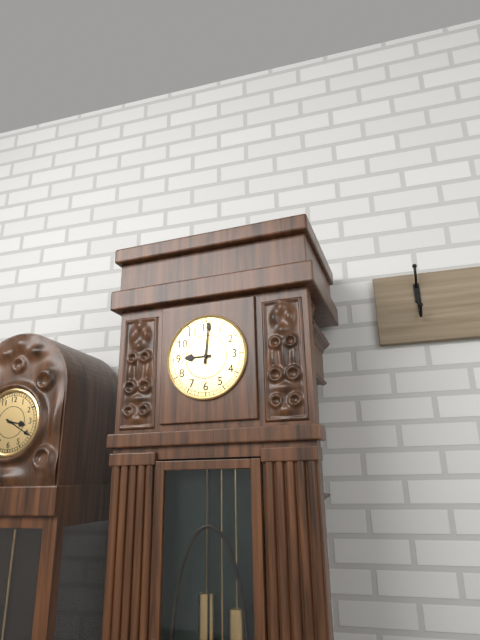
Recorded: 9h01
